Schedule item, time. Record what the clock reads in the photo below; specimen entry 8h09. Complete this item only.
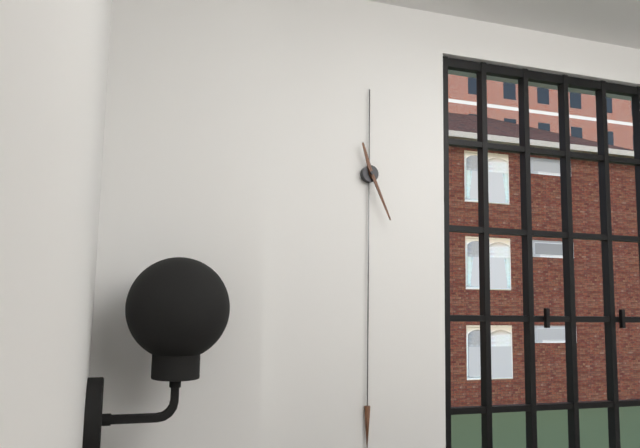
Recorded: 11h26
